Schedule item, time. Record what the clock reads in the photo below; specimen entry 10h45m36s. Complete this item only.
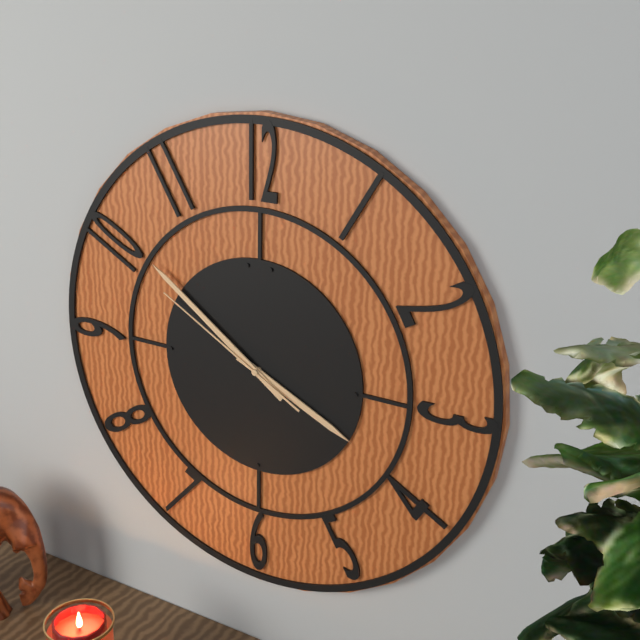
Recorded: 3h51m50s
